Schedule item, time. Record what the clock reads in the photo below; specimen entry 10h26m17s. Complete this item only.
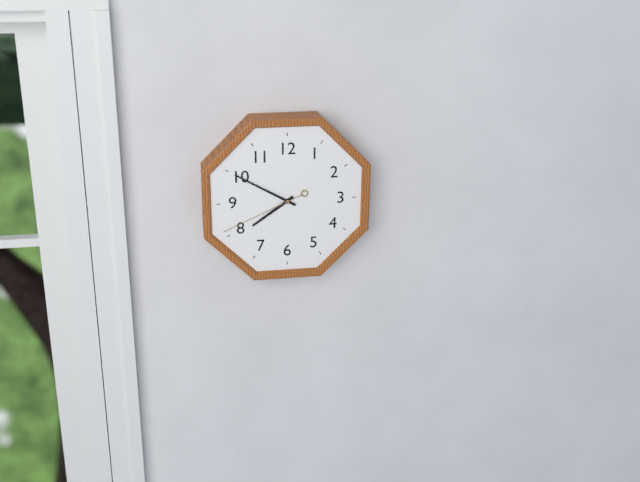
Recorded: 7h50m41s
